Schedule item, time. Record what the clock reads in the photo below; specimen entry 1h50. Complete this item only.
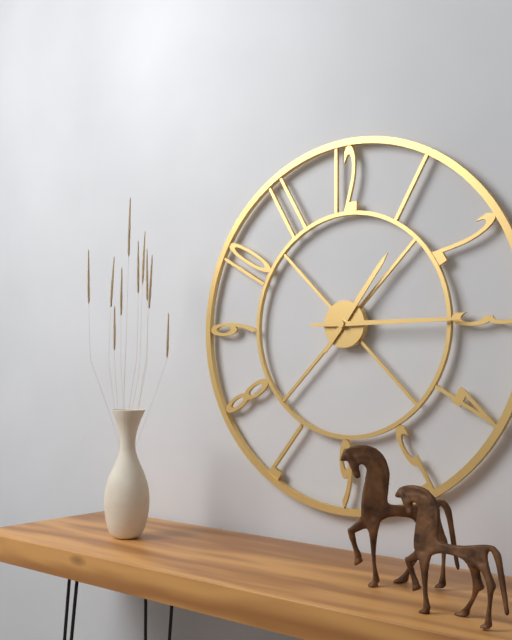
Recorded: 1h15
